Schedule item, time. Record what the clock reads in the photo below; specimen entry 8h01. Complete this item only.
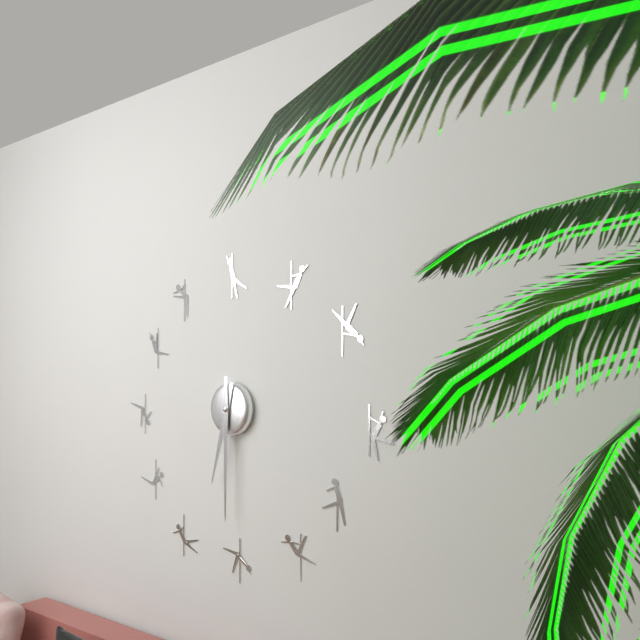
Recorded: 6h30
